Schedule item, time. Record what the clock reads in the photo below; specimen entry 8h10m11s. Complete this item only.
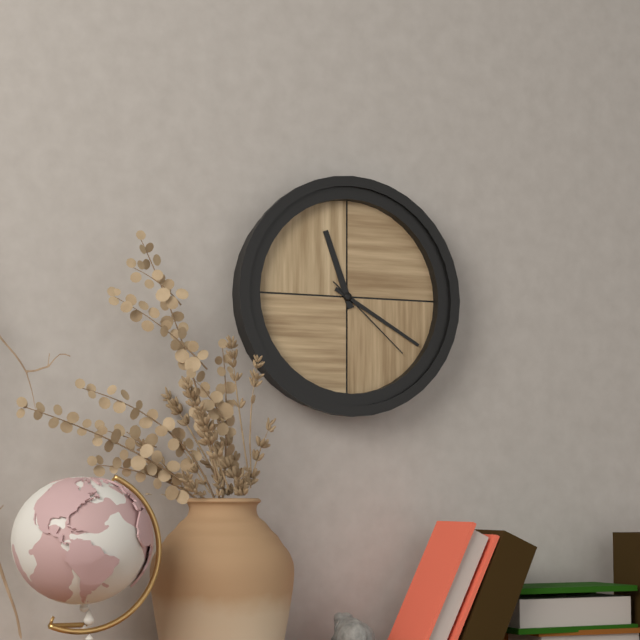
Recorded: 11h20m22s
